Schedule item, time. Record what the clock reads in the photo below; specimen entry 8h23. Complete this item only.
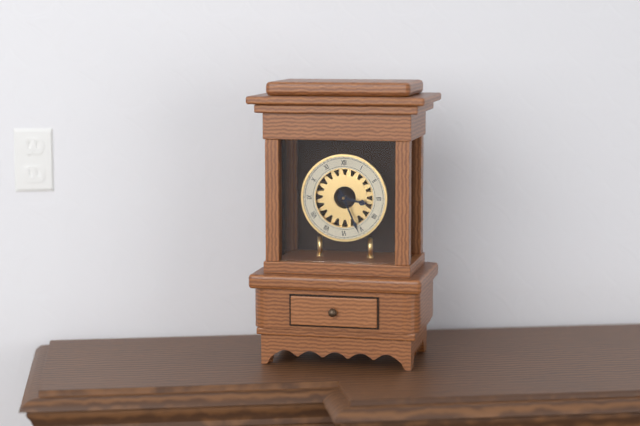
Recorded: 3h26
